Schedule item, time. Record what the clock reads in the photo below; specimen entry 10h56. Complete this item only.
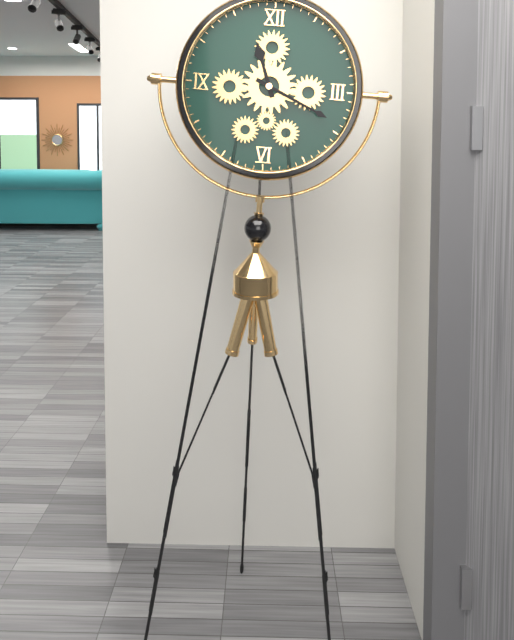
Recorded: 11h19
